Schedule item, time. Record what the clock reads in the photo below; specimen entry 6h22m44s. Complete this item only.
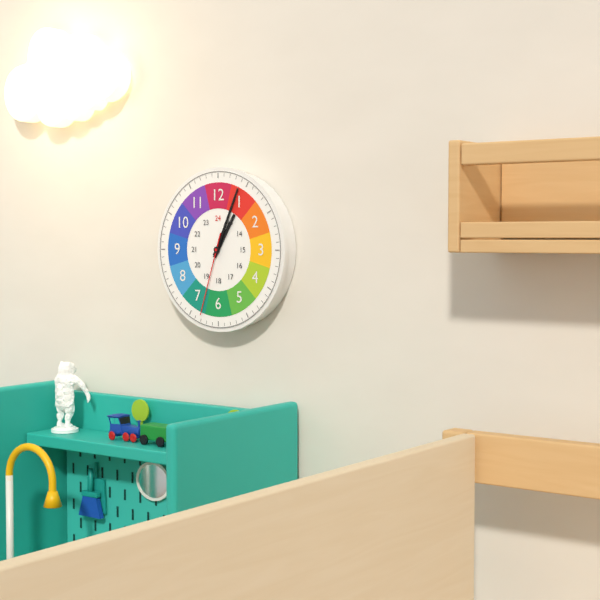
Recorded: 1h04m33s
